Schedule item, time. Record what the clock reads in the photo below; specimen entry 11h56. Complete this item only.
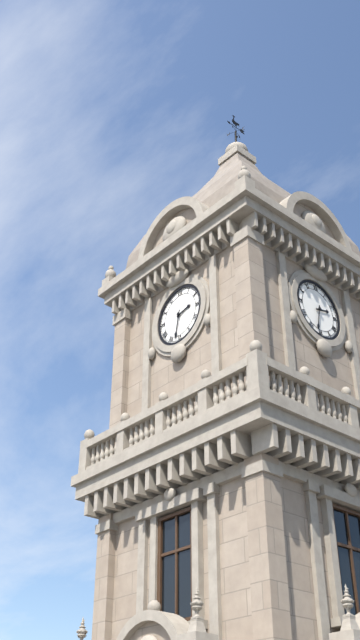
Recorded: 2h32
